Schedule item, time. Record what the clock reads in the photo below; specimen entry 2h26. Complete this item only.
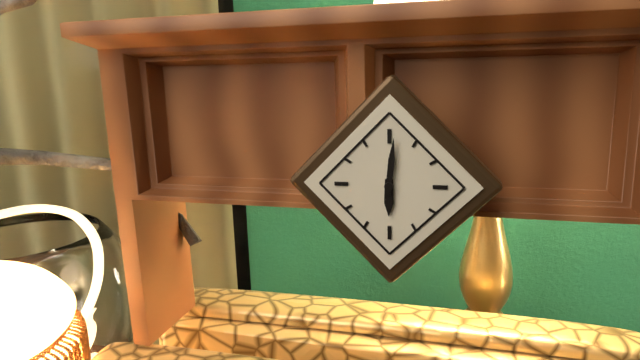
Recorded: 6h01
